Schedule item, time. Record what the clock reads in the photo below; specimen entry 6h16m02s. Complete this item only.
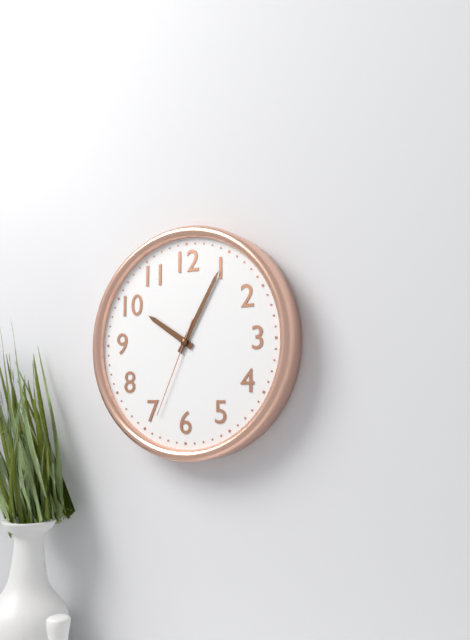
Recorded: 10h05m34s
